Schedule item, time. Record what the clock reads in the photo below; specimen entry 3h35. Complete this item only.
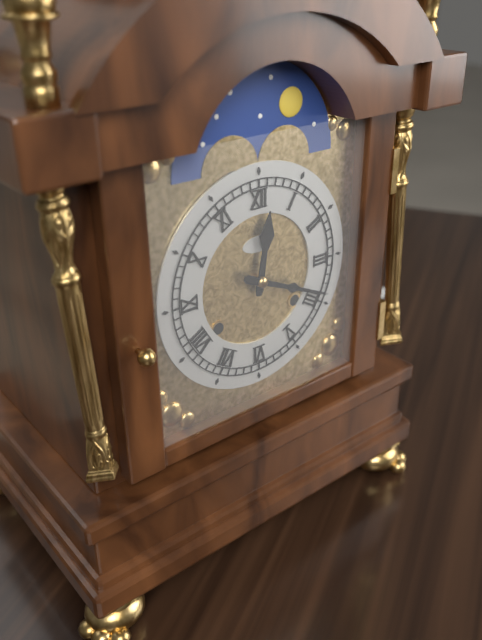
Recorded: 12h19
